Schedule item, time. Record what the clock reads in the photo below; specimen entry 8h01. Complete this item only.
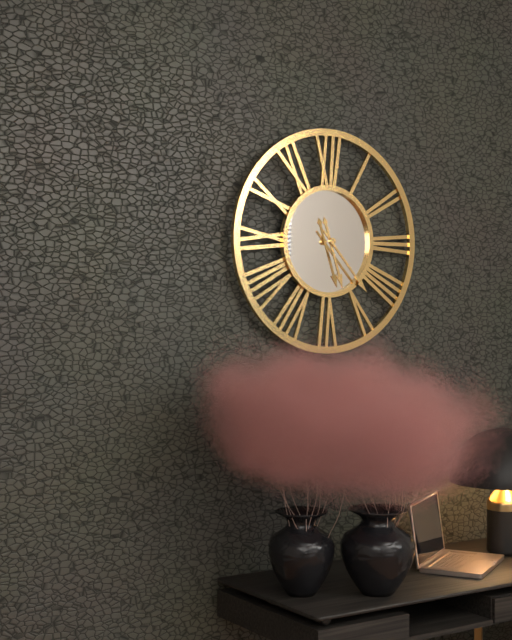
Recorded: 5h23
